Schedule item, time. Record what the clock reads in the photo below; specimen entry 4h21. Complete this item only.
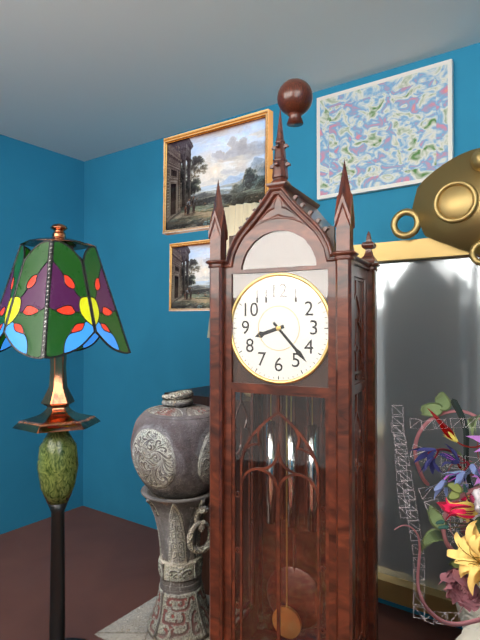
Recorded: 8h23
